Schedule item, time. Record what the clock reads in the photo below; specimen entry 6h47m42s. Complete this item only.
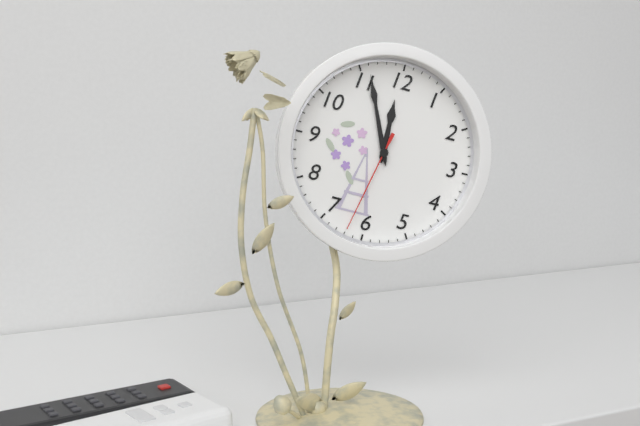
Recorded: 11h56m32s
